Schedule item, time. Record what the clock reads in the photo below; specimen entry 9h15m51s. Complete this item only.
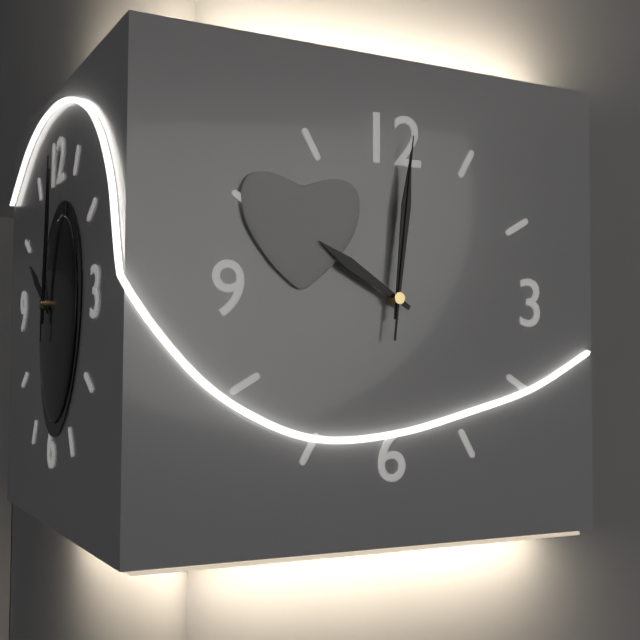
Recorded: 10h01m01s
